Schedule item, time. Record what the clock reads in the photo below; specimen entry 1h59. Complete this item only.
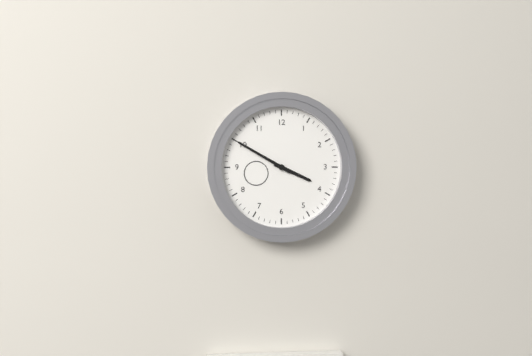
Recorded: 3h50
